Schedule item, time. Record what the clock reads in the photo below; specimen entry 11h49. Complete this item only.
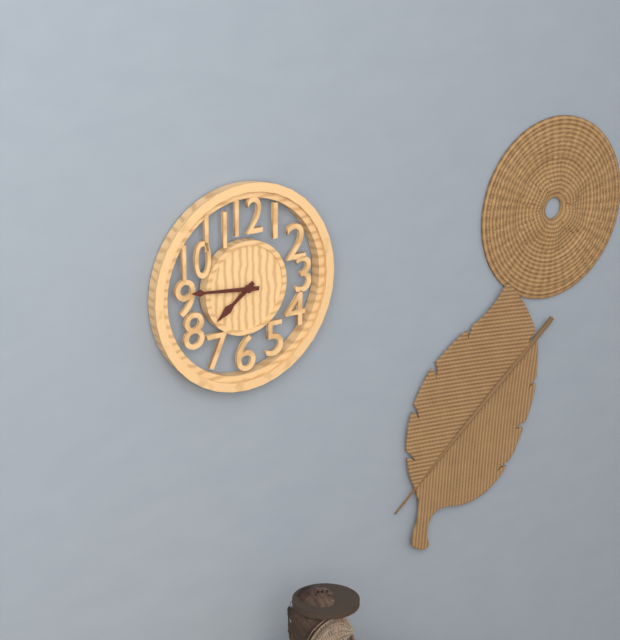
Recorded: 7h46
